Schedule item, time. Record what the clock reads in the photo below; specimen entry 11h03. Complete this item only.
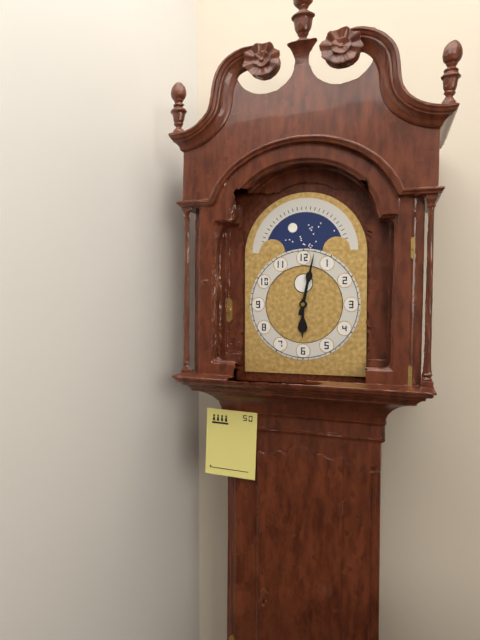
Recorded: 6h02
